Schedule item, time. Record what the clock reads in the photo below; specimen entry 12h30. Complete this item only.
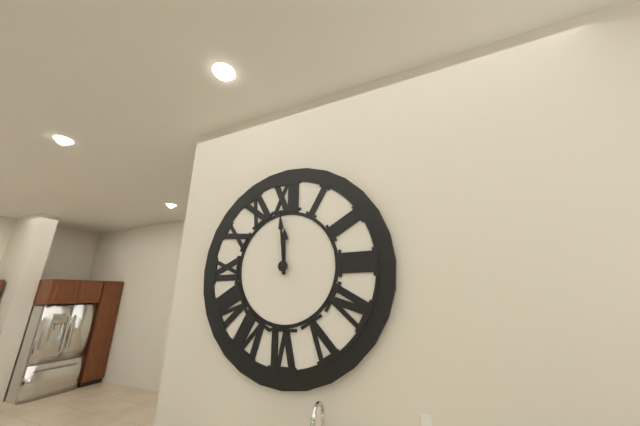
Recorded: 11h59
